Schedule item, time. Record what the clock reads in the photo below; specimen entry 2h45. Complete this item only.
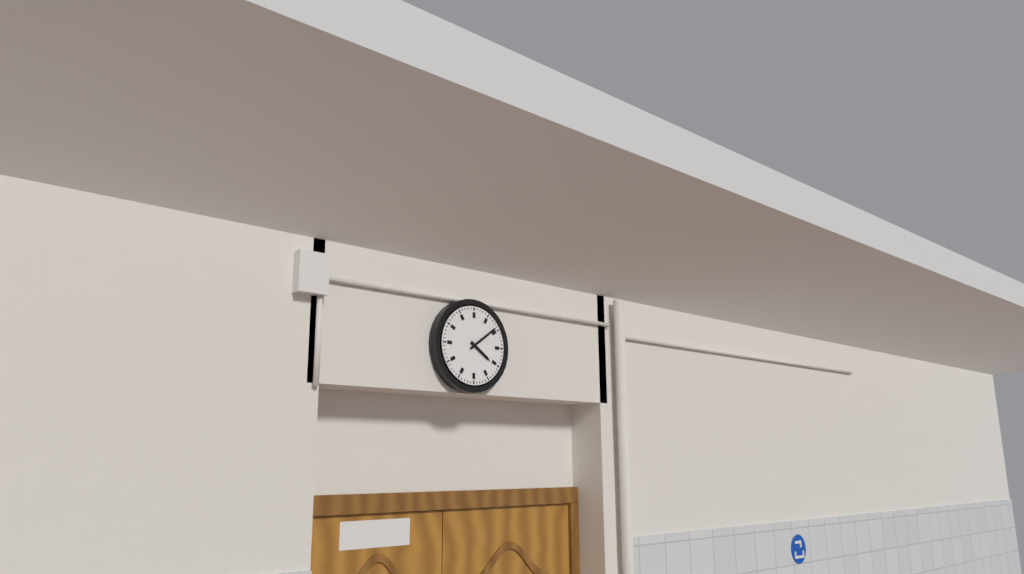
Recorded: 4h09
